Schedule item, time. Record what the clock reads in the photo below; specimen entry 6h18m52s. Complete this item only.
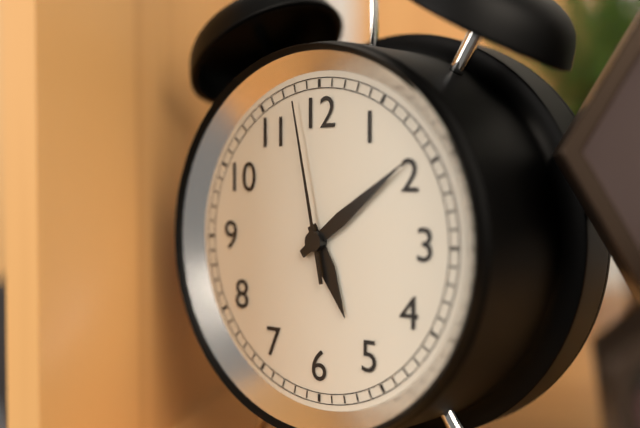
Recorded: 5h09m58s
